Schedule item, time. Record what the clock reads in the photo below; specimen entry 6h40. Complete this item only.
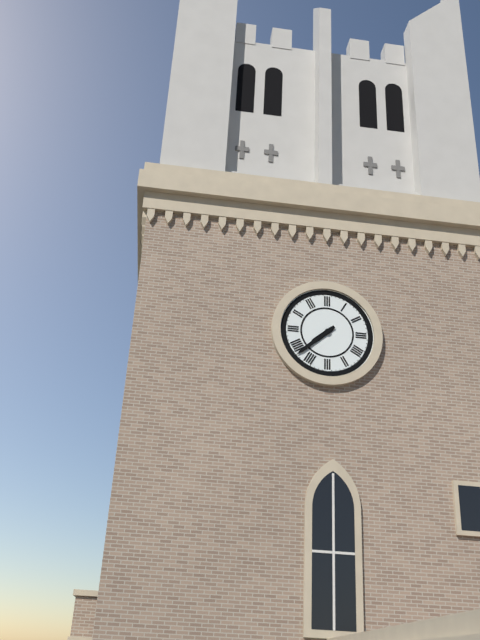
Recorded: 7h38
